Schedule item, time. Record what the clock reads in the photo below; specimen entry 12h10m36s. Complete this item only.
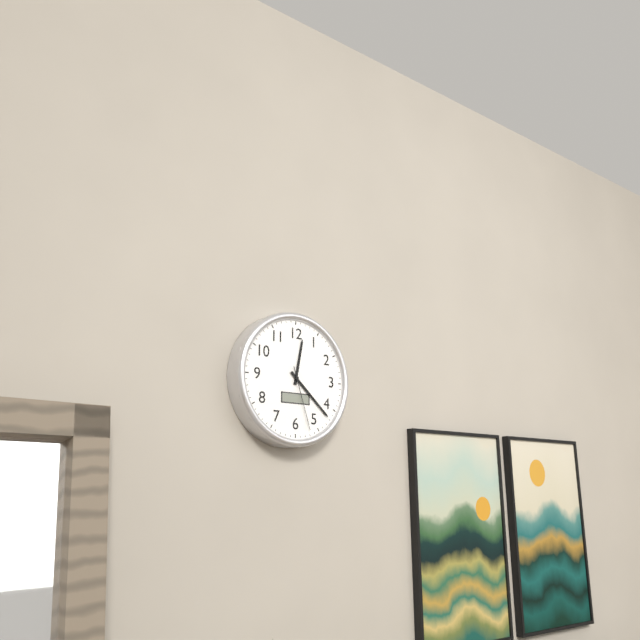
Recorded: 12h22m27s
